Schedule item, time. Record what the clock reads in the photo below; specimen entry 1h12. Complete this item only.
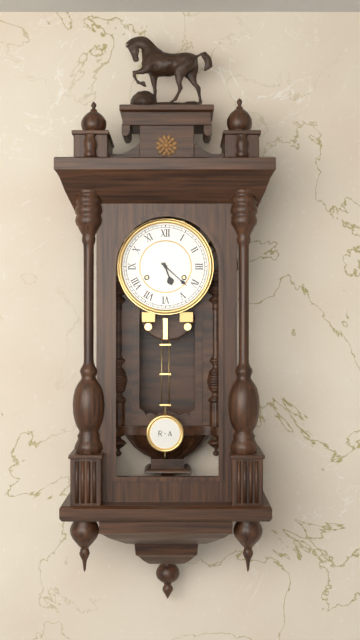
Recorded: 5h22
